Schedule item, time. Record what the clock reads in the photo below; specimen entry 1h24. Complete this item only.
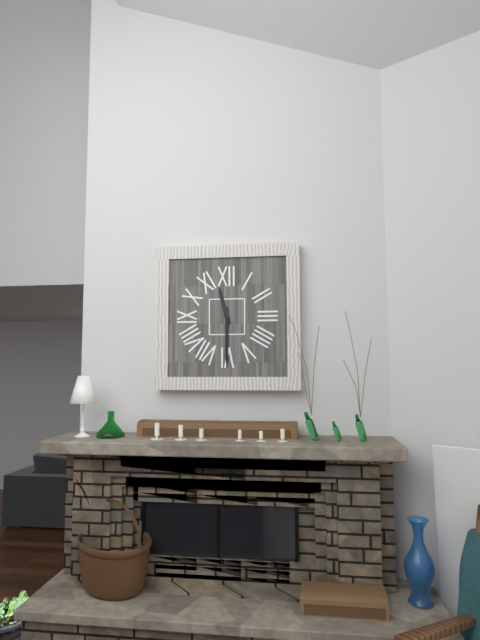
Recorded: 11h30
